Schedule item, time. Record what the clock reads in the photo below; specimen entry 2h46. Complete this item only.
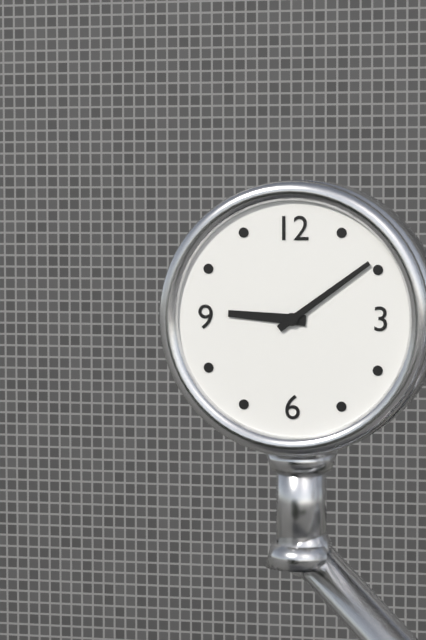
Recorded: 9h09
